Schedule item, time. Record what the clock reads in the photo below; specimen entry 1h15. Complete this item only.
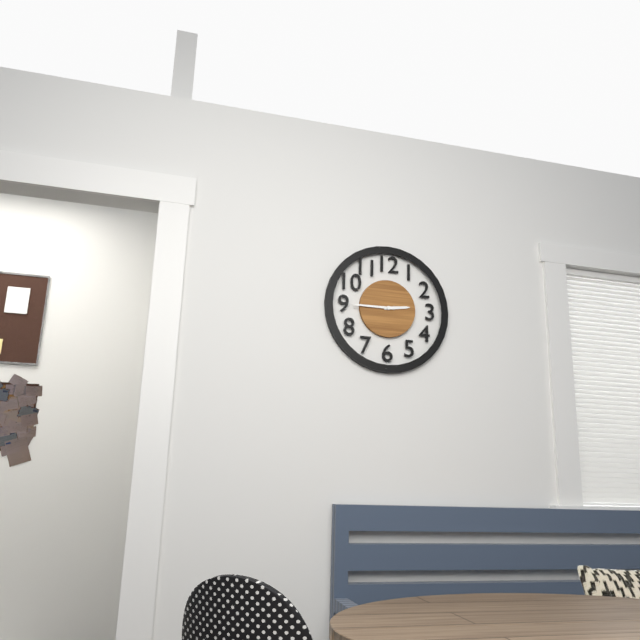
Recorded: 2h45
